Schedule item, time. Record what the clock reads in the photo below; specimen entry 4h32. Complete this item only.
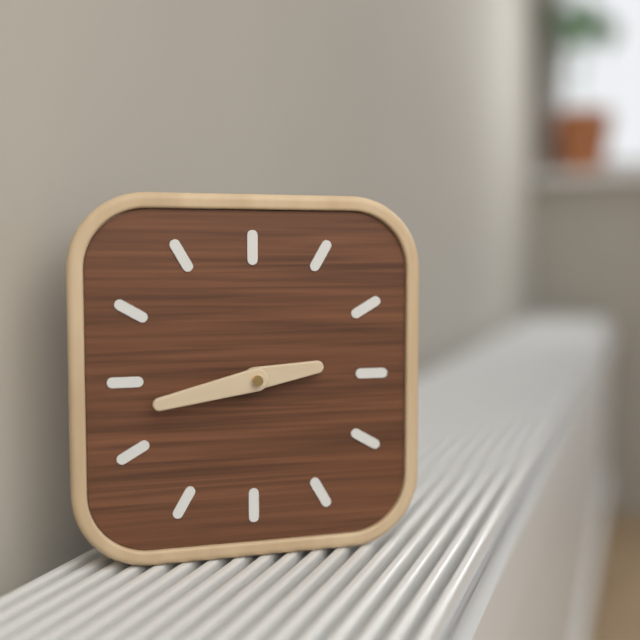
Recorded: 2h43
